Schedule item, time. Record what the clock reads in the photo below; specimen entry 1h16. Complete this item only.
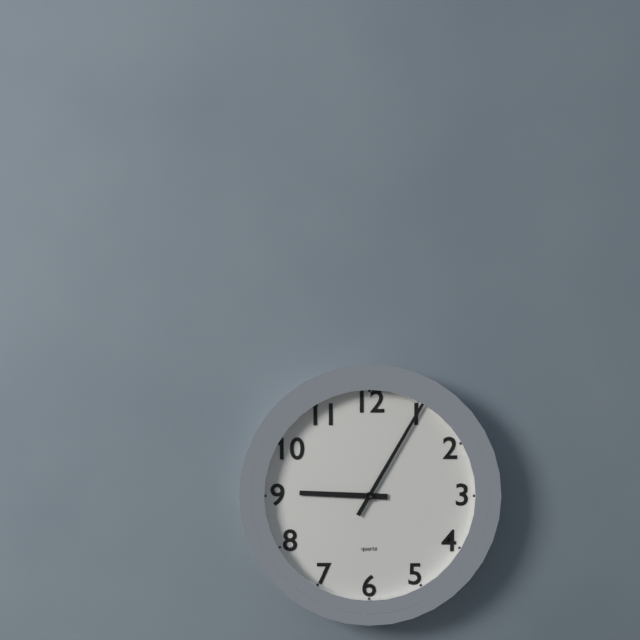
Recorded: 9h05
